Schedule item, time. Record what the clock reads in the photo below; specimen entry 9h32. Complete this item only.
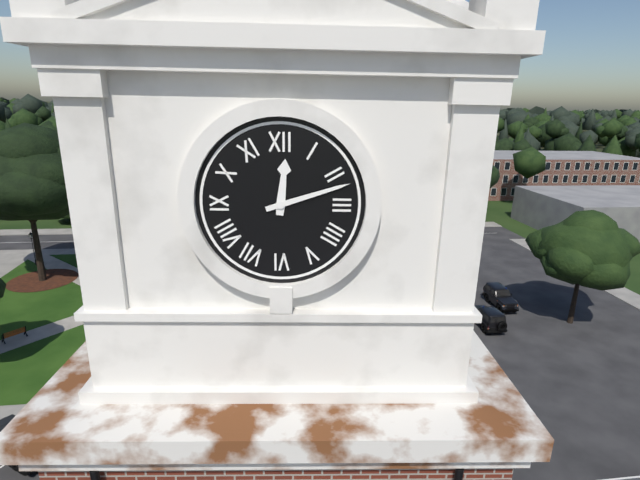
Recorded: 12h12
